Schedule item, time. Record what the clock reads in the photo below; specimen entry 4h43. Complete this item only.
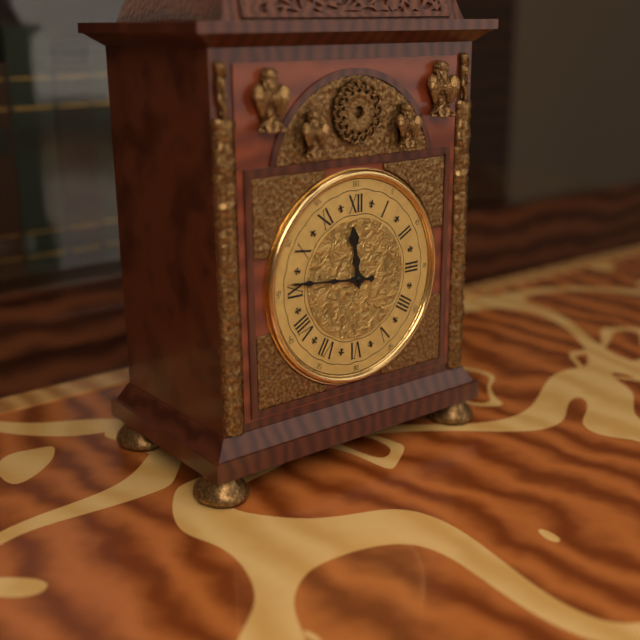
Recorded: 11h46
